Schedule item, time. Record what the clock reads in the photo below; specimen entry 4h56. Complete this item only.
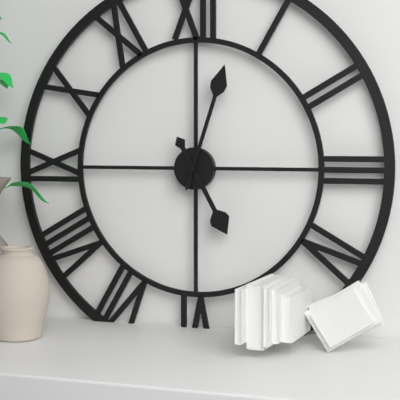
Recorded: 5h03
